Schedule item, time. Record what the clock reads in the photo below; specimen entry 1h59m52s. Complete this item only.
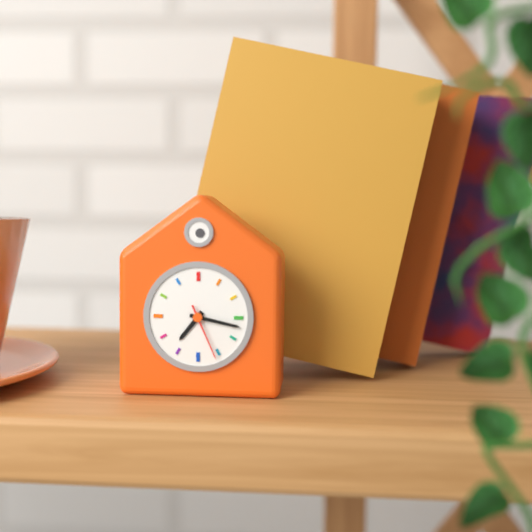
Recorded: 7h17m26s
